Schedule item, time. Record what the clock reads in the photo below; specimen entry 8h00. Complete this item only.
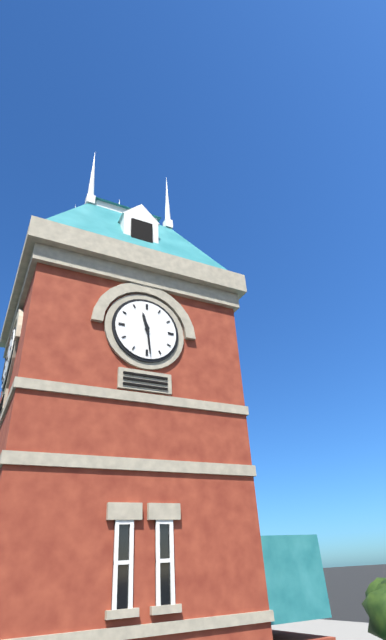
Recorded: 11h29
